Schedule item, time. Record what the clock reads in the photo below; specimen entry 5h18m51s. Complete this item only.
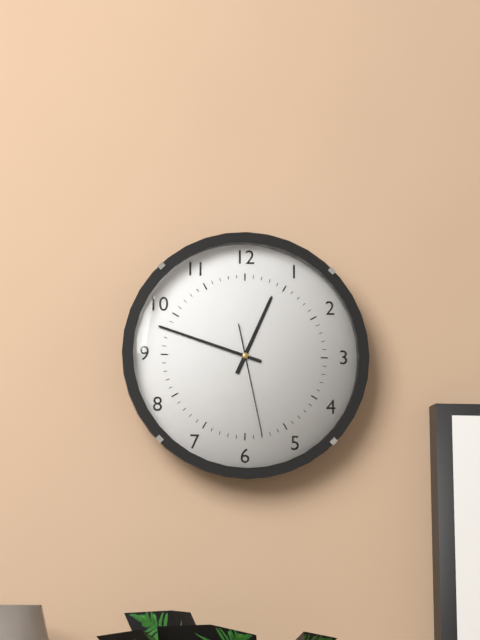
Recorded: 12h48m28s
